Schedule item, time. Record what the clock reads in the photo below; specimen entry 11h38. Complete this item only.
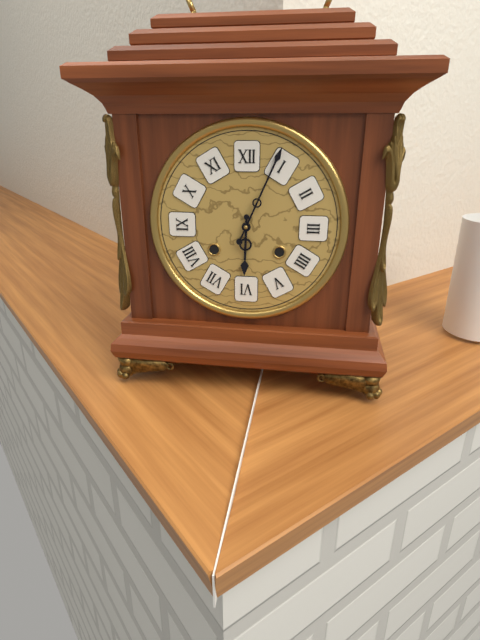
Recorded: 6h04
